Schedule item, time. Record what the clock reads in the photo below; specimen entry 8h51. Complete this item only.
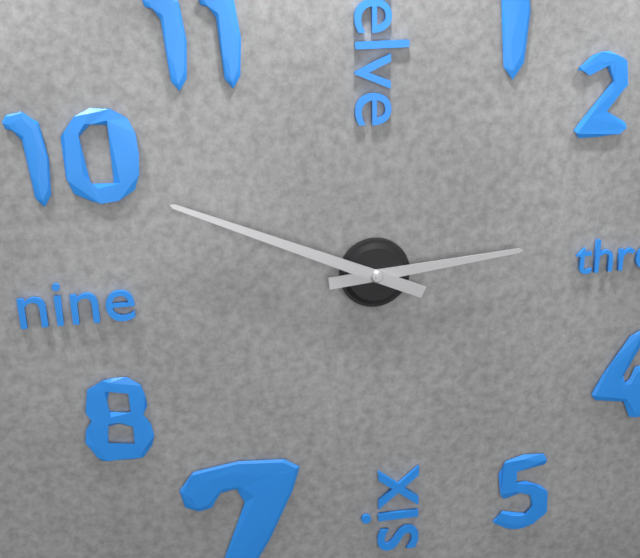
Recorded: 2h49
